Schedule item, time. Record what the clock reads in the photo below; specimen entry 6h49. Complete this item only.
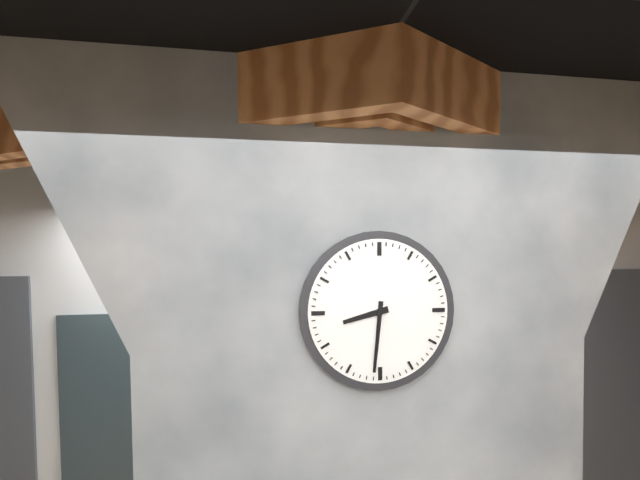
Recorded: 8h31
